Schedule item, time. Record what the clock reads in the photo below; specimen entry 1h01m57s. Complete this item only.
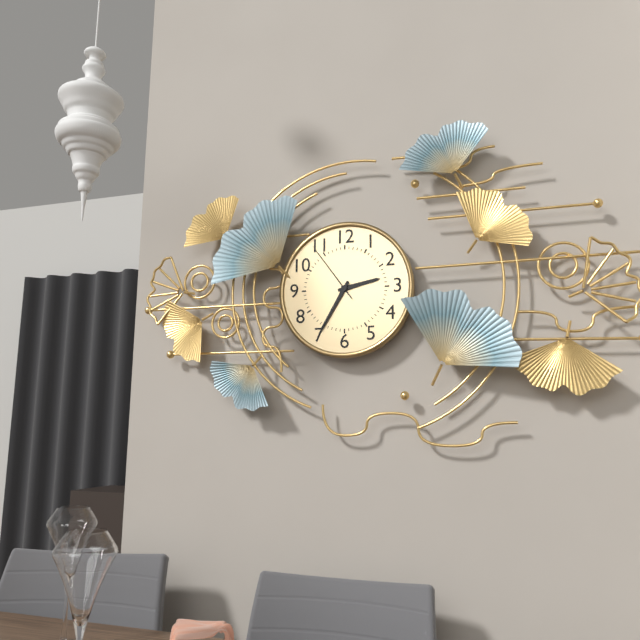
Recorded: 2h35m54s
